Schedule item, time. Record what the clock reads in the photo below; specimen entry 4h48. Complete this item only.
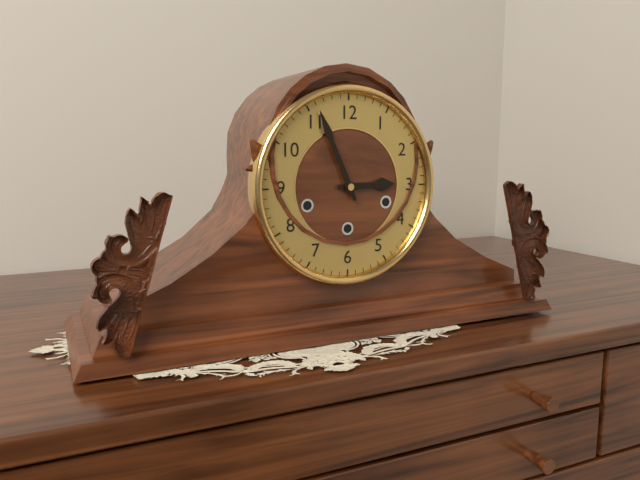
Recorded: 2h56
